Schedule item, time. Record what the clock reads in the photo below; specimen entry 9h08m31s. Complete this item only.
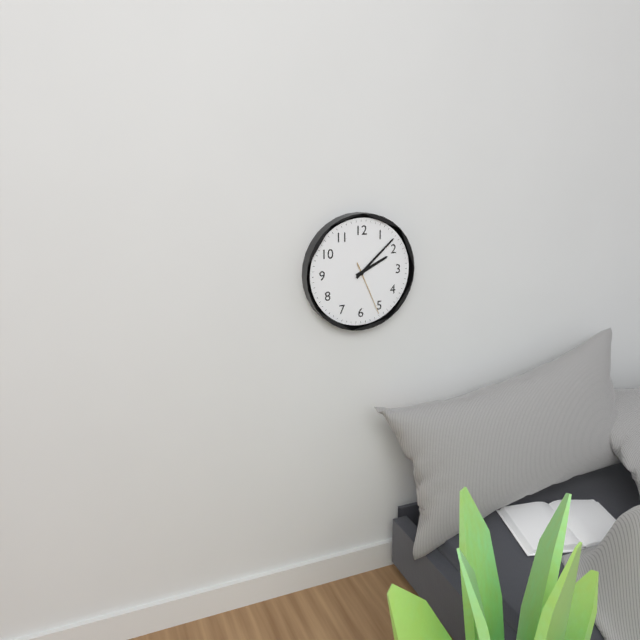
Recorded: 2h08m26s
